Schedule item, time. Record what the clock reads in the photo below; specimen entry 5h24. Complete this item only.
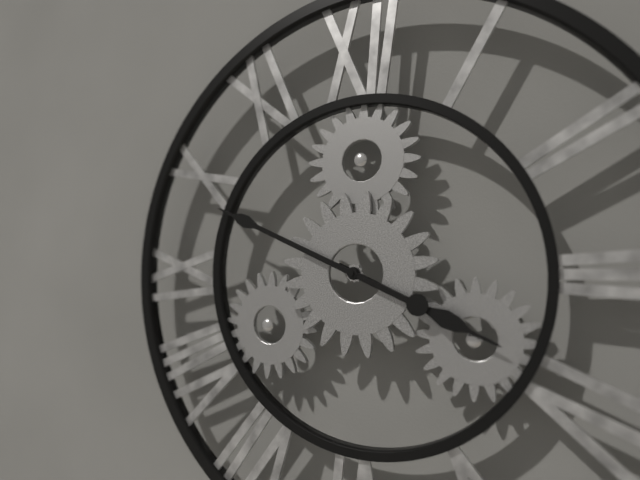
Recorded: 3h49
